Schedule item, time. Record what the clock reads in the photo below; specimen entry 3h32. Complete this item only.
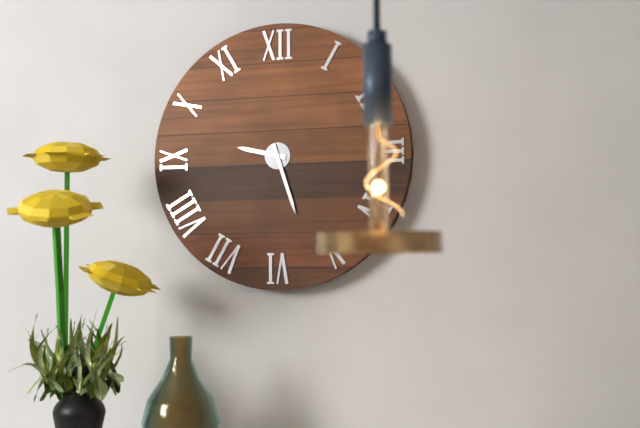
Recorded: 9h27
